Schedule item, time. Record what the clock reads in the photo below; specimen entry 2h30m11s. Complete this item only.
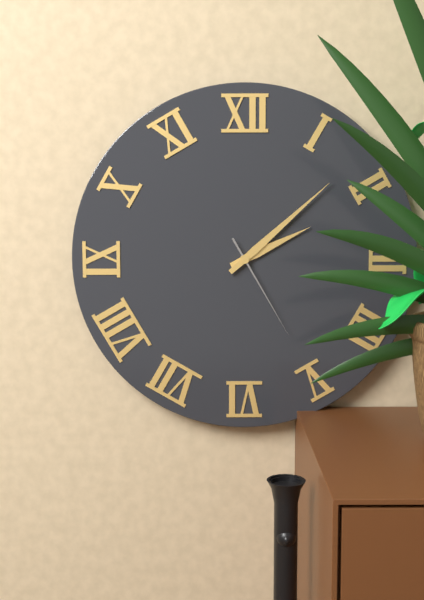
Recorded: 2h08m25s
